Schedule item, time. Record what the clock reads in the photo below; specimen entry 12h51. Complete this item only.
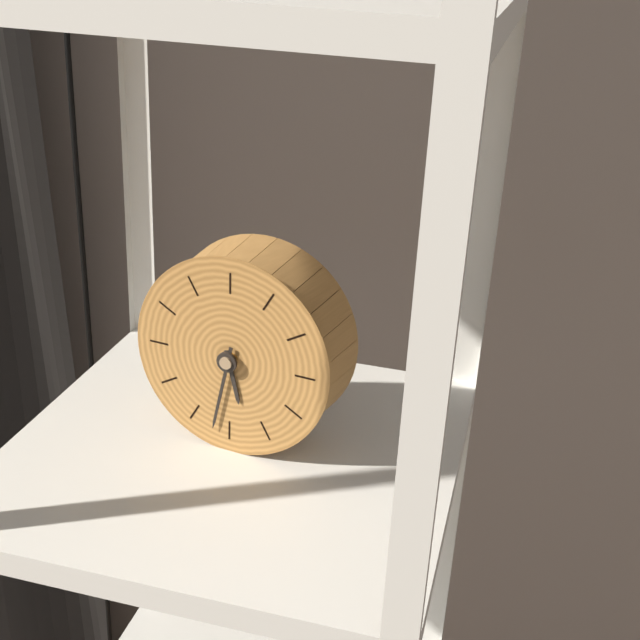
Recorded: 5h32
